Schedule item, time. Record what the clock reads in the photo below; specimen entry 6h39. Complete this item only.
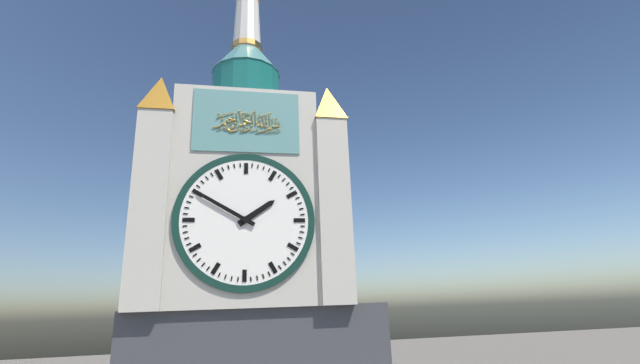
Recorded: 1h50
